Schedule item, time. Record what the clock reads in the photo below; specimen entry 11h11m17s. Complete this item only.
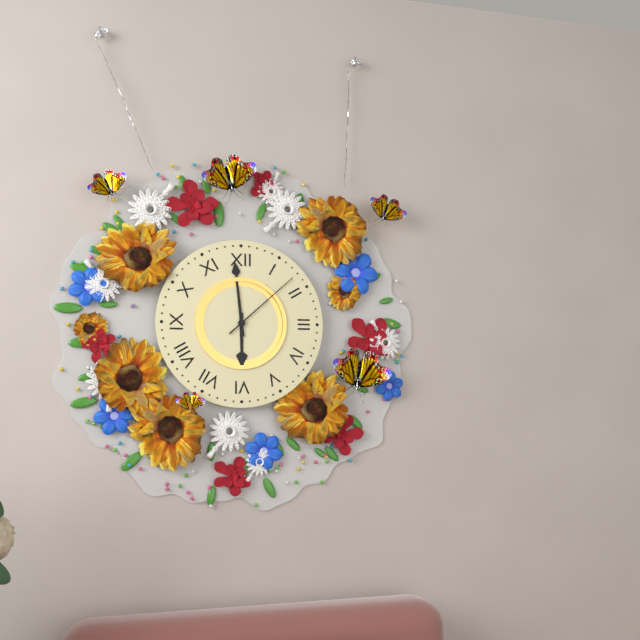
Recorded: 5h59m08s
